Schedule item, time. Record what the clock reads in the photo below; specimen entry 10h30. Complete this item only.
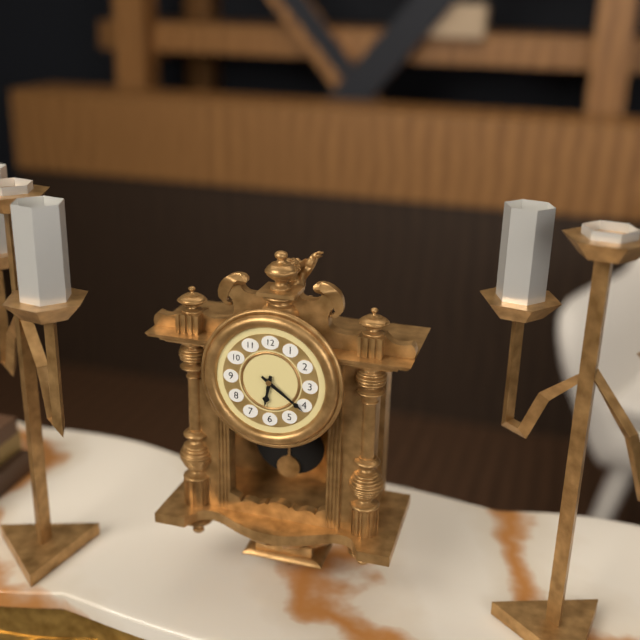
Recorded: 6h21
